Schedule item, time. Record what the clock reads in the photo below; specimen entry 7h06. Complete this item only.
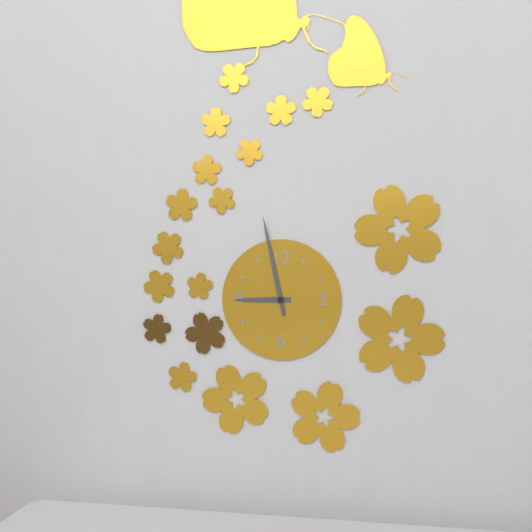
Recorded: 8h58
